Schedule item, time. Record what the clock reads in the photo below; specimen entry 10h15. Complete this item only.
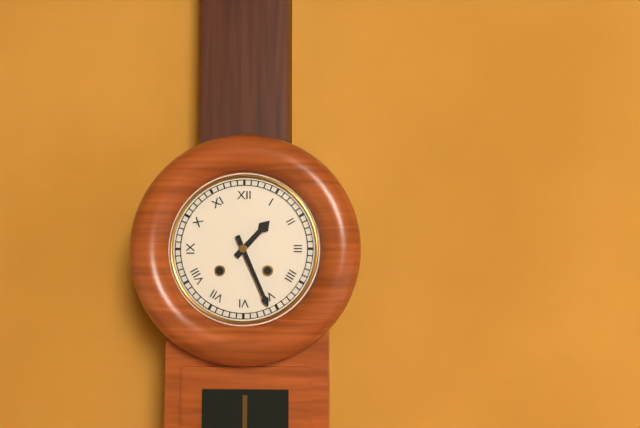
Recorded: 1h26
